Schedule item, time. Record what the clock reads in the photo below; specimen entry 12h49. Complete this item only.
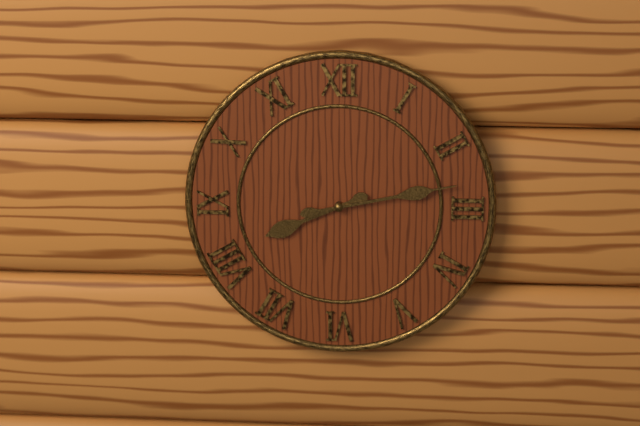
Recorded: 8h13
